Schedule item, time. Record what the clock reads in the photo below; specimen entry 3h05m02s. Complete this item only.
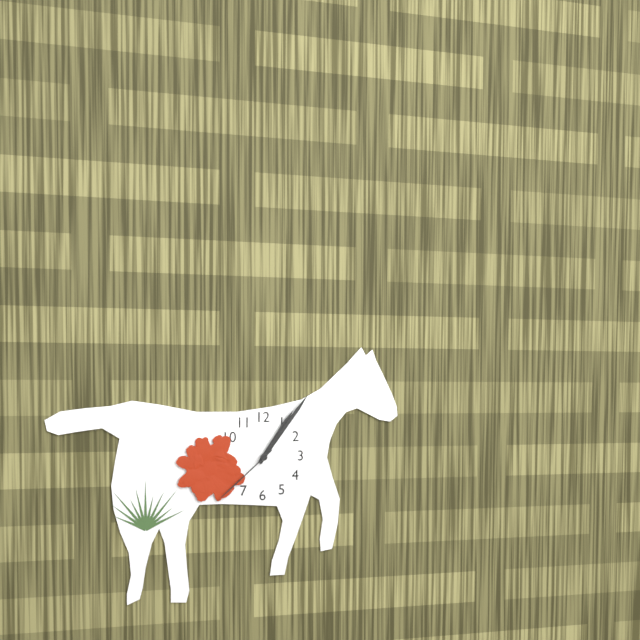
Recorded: 1h06m38s
